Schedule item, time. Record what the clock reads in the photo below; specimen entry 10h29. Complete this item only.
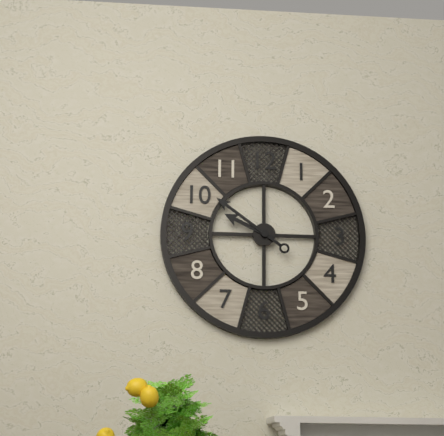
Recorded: 9h51
